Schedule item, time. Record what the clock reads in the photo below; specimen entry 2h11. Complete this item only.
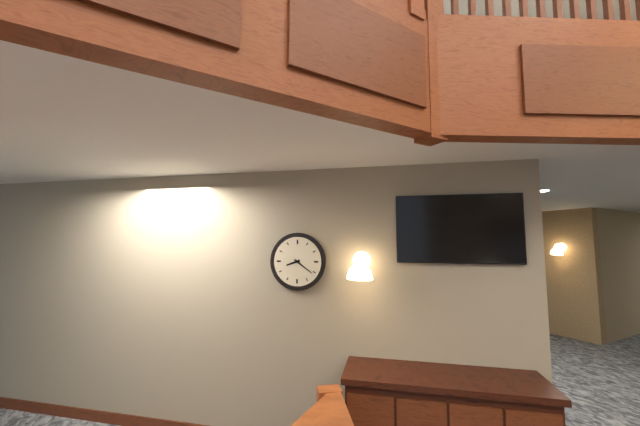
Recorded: 8h21
